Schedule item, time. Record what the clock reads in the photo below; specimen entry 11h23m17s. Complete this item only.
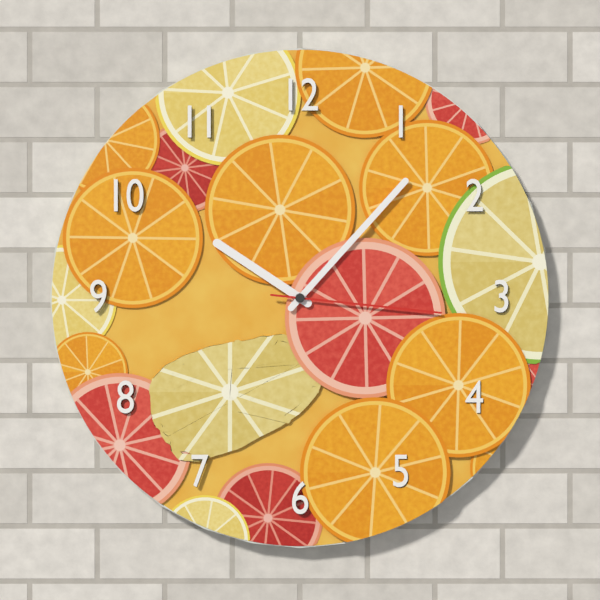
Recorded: 10h07m16s
